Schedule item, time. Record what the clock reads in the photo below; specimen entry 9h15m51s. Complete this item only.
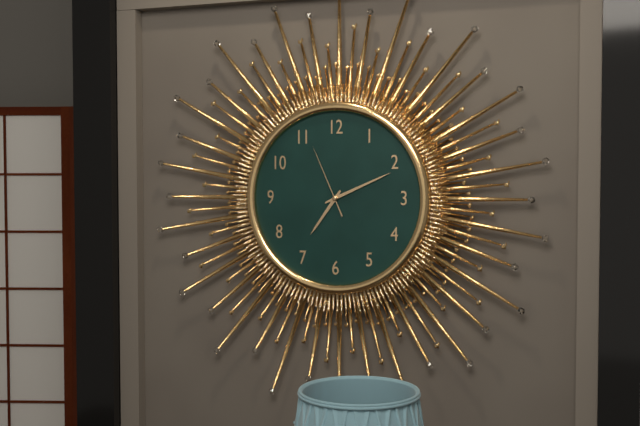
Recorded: 7h11m56s
